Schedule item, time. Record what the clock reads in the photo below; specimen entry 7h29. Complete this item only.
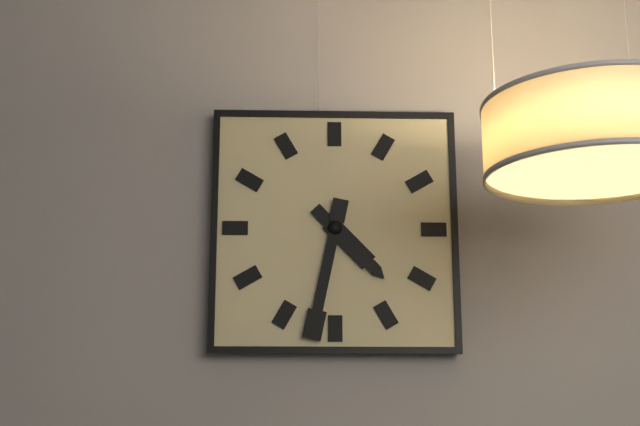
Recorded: 4h32
